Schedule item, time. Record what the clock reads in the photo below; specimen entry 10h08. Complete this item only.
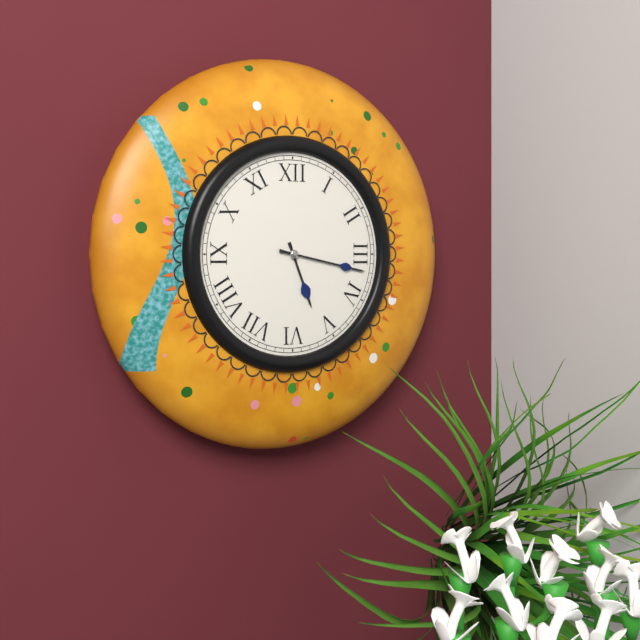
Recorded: 5h17
